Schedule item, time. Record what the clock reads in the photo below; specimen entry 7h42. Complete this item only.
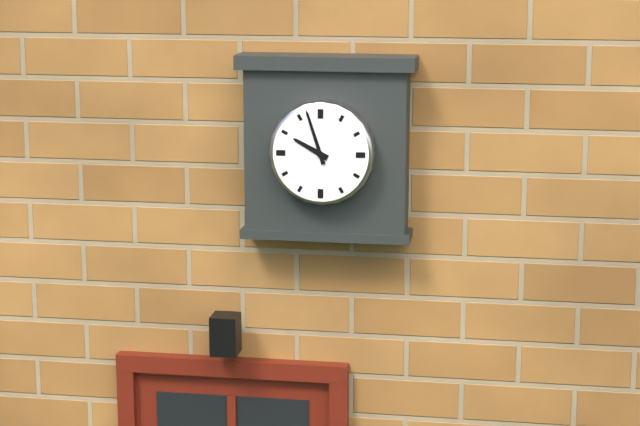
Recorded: 9h57
